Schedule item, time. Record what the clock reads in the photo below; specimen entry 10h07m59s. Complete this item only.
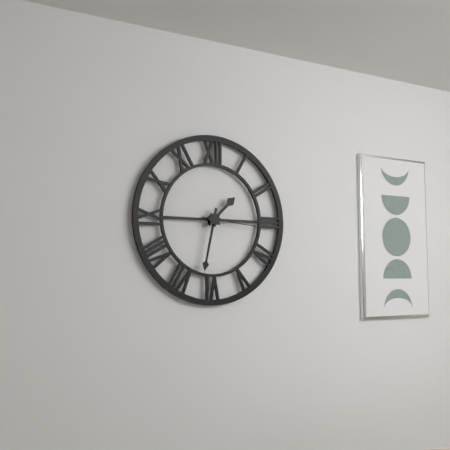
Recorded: 1h32m16s
